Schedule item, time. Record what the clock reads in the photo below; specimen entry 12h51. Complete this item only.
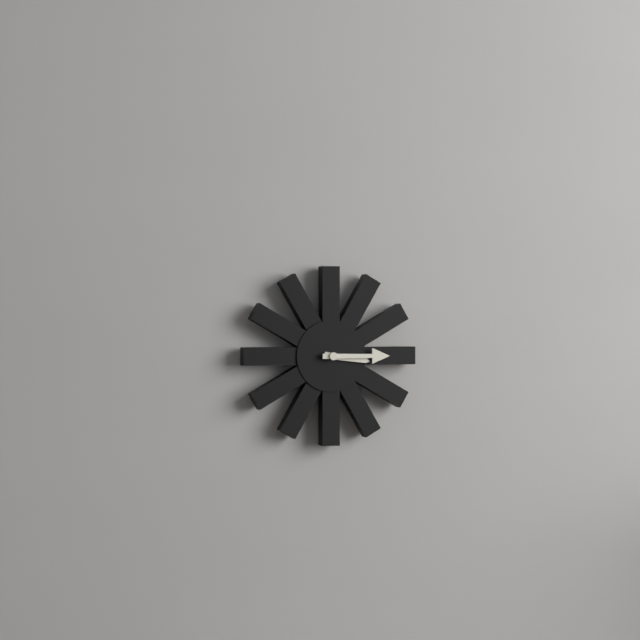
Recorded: 3h15
